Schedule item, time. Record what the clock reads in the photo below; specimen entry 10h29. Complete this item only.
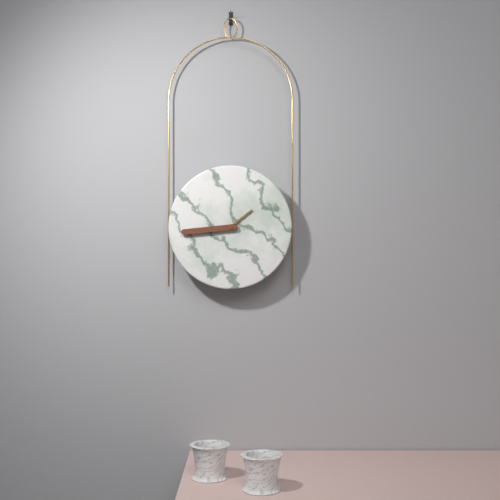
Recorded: 1h44
